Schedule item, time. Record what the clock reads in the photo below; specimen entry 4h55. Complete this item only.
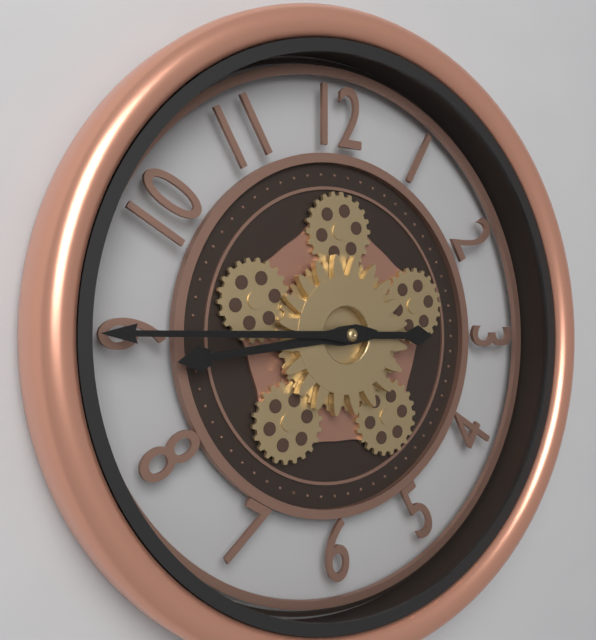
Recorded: 8h45
